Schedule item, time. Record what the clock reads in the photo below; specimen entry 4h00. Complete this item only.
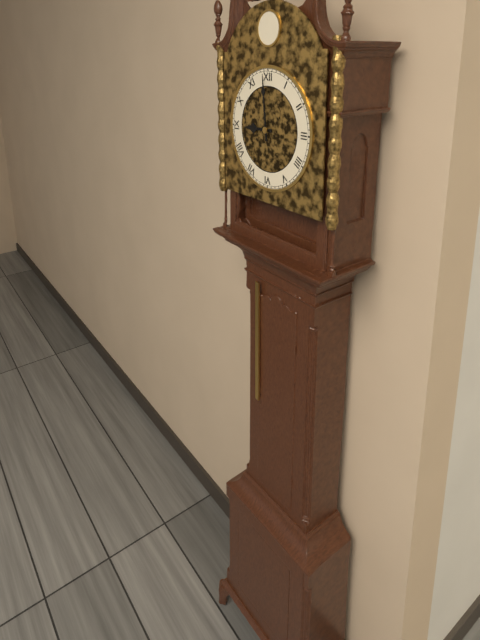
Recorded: 8h59
